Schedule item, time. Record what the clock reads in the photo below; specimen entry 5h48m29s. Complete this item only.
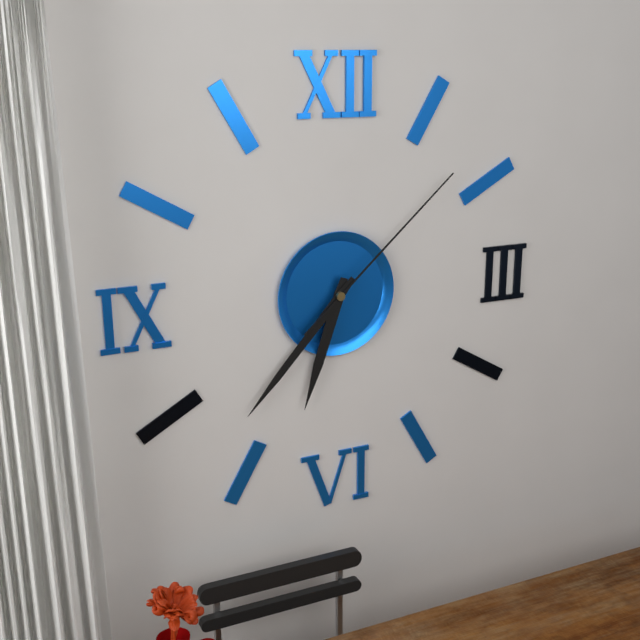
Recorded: 6h37m08s
